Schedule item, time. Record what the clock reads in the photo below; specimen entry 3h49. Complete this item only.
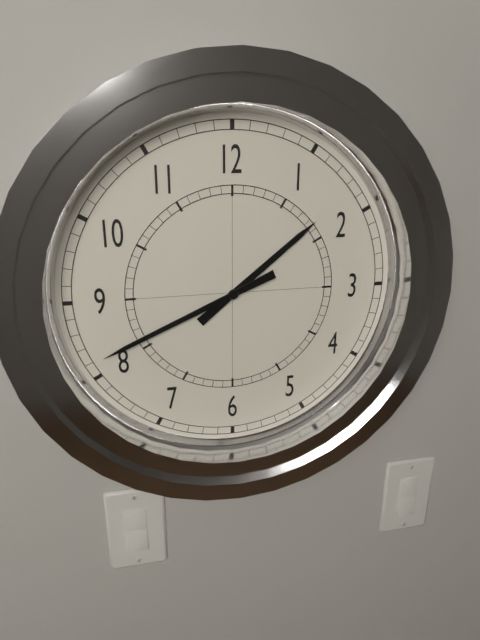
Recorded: 1h41
